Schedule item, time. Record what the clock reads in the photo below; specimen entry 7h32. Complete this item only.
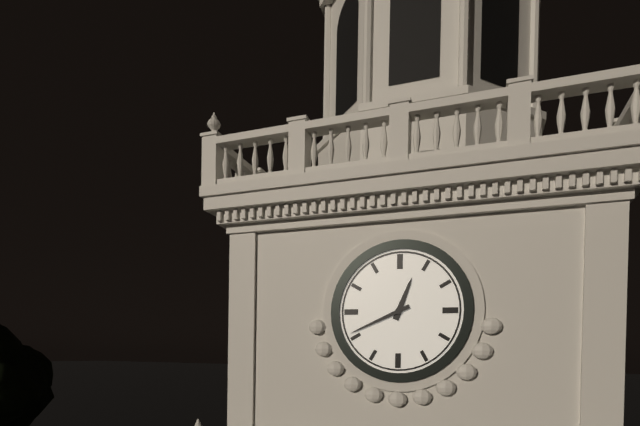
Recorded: 12h41
